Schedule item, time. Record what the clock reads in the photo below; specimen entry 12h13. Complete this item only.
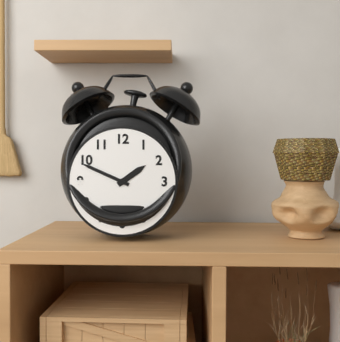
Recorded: 1h49
